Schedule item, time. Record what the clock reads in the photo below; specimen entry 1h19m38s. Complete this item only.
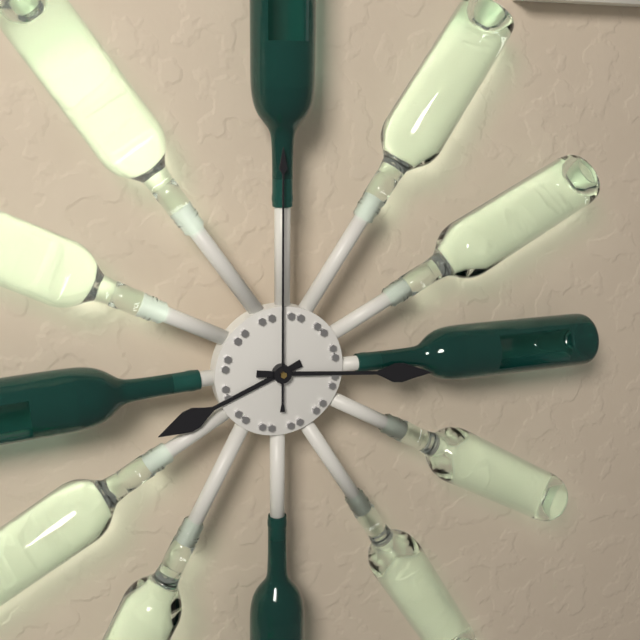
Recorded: 8h16m00s
